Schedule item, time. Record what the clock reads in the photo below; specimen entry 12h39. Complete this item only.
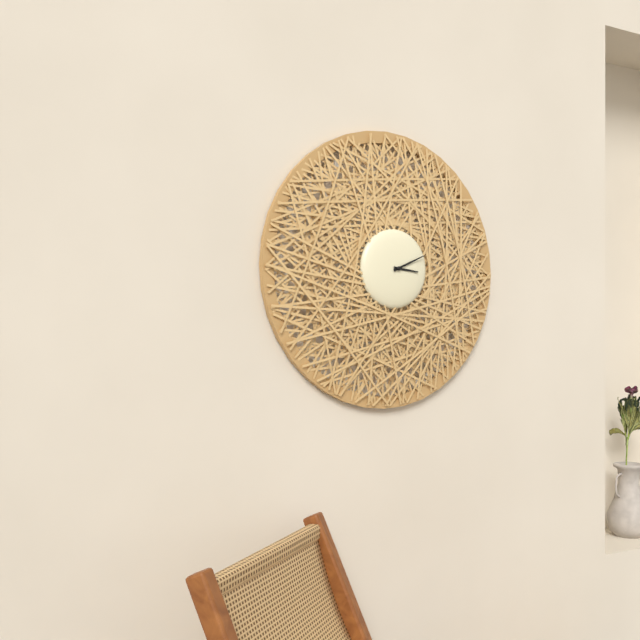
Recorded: 3h11
